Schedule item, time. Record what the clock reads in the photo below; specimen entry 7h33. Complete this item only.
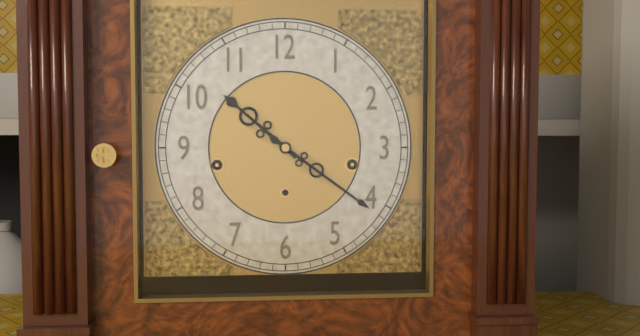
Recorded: 10h21
